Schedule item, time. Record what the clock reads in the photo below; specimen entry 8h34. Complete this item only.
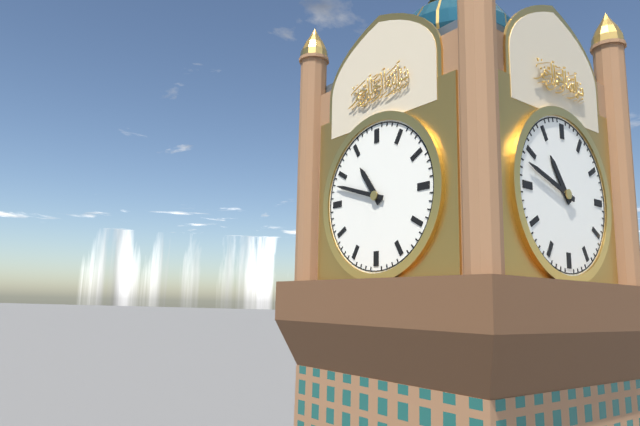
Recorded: 10h48
